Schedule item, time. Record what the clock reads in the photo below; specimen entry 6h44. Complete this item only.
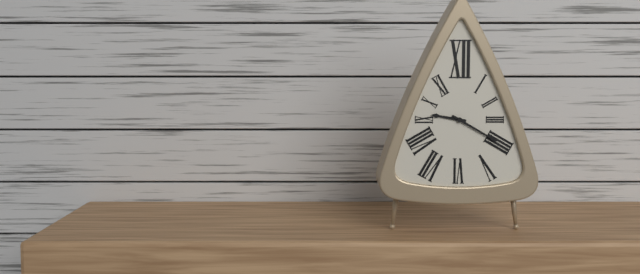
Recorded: 9h20
